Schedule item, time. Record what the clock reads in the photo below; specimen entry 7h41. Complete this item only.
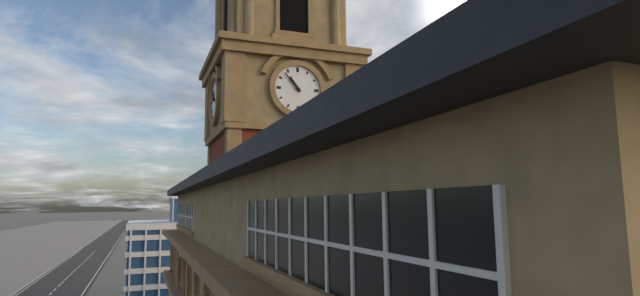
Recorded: 10h53
